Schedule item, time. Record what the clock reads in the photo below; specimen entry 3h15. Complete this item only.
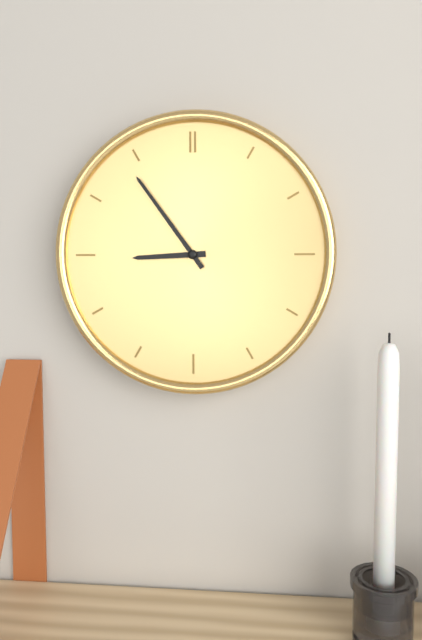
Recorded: 8h54
